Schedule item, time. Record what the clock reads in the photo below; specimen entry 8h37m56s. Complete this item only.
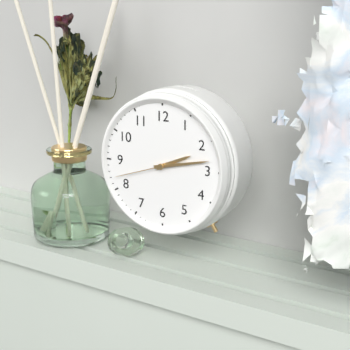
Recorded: 2h13m42s
